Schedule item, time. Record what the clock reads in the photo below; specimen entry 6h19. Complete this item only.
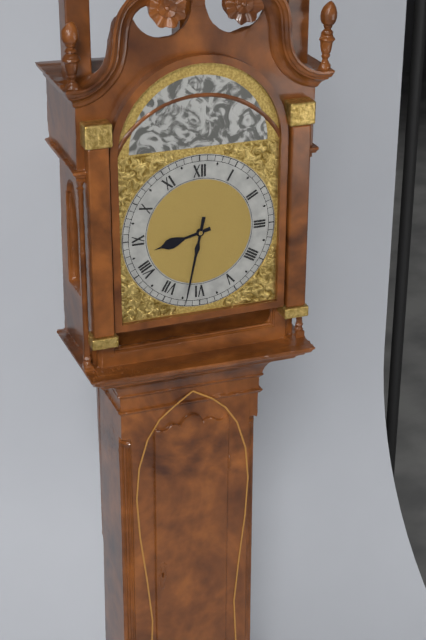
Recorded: 8h32
